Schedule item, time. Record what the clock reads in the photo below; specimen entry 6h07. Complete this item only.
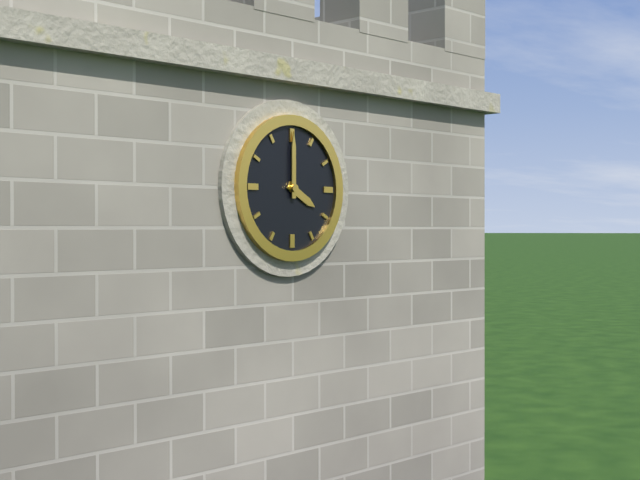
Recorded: 4h00
